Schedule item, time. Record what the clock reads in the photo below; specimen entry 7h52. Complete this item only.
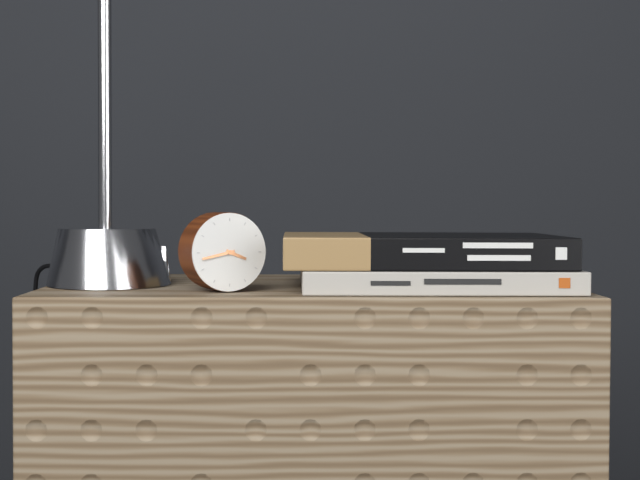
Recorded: 3h43
